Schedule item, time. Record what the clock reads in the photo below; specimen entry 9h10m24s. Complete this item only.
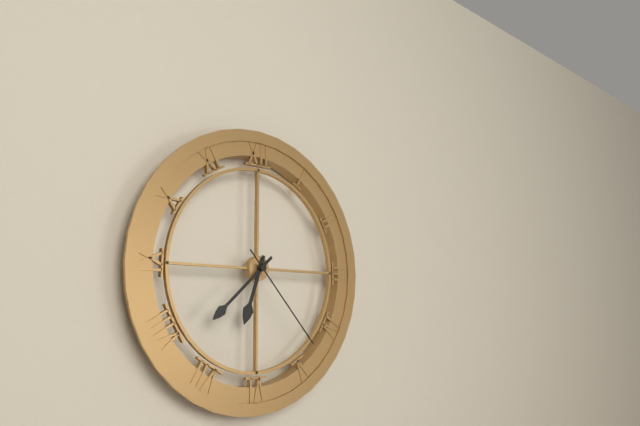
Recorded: 6h38m23s
